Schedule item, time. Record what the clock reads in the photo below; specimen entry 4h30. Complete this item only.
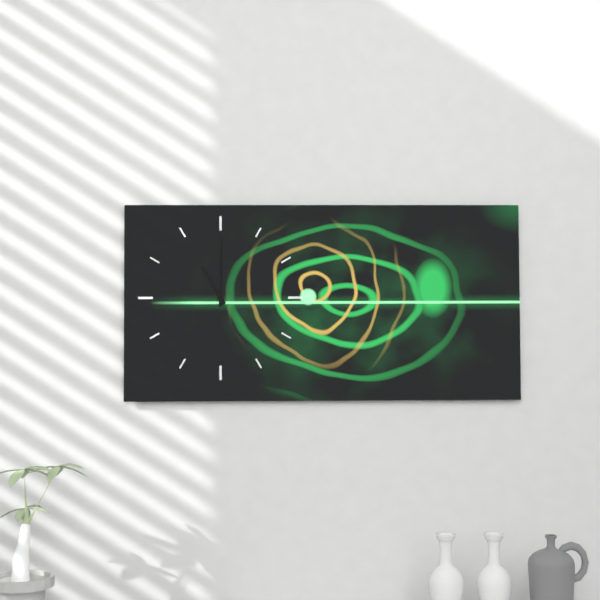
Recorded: 11h00
